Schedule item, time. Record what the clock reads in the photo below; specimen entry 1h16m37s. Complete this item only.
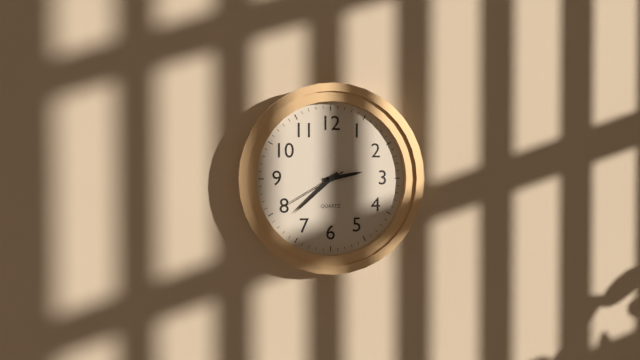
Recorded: 2h38m40s
